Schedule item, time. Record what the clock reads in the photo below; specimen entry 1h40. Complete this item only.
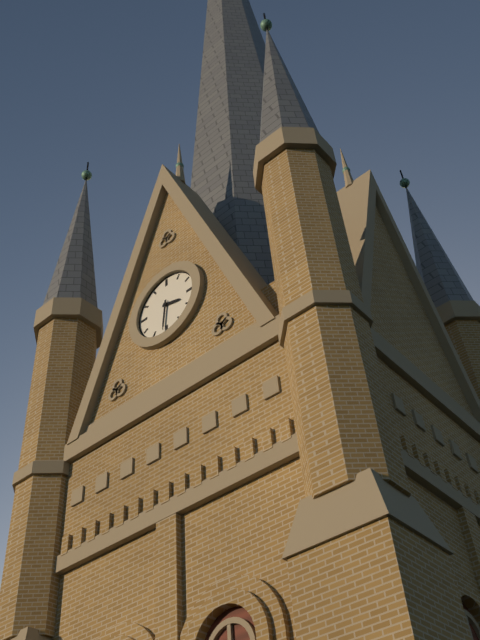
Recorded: 3h31
